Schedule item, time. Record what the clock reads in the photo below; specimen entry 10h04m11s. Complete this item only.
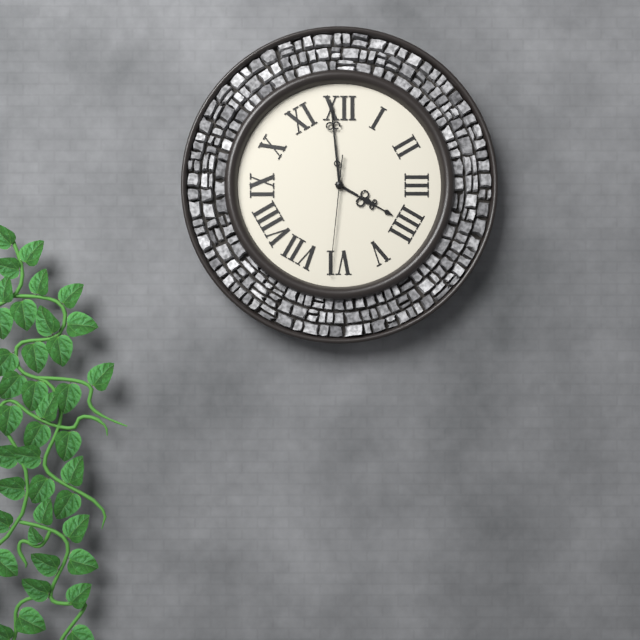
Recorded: 3h59m31s
